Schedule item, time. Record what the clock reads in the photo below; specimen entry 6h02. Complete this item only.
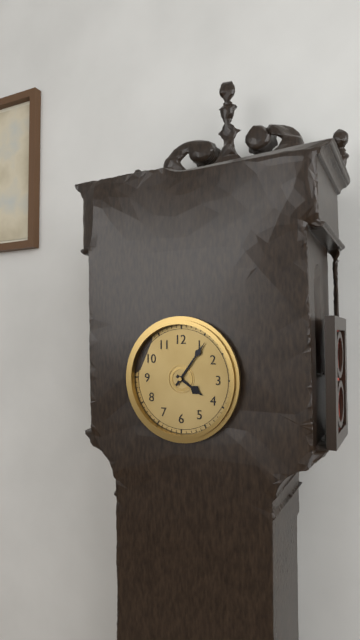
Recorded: 4h06
